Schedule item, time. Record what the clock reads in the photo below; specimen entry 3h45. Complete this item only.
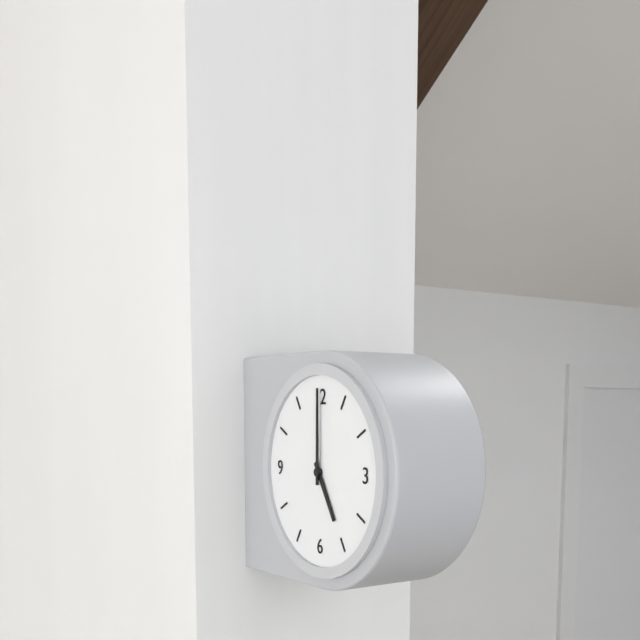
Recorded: 5h00
